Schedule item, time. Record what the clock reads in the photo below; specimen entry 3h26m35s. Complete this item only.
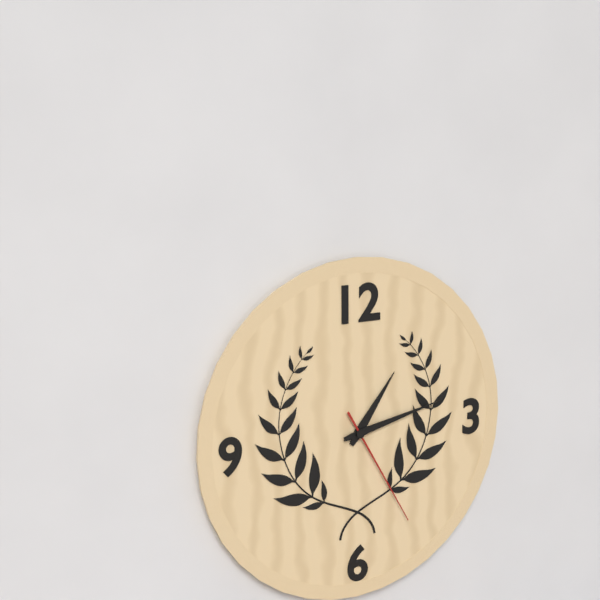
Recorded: 1h13m25s
